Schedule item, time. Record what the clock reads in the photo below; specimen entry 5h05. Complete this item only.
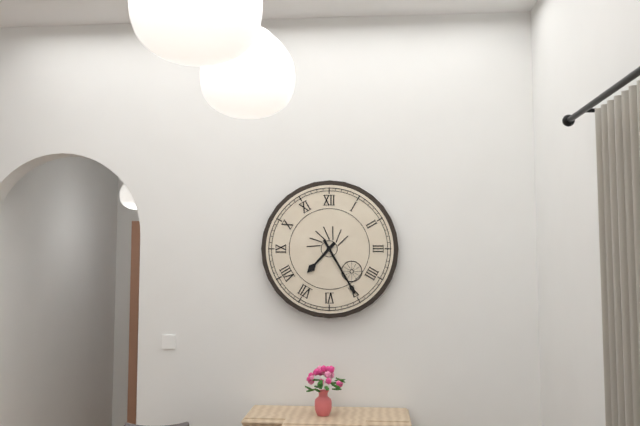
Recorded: 7h25
